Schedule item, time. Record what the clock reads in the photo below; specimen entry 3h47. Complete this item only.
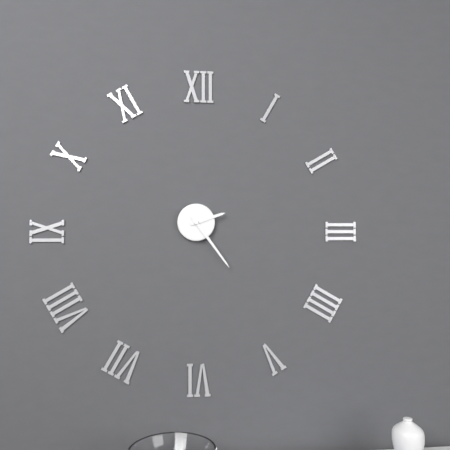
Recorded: 2h24
